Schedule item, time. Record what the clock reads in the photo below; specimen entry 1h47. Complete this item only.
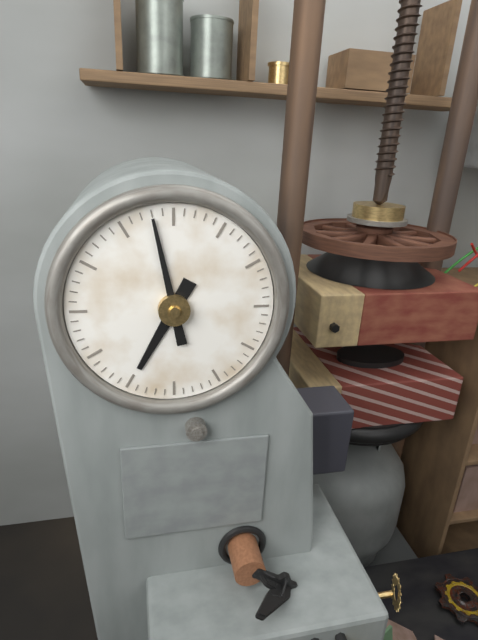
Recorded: 6h58
